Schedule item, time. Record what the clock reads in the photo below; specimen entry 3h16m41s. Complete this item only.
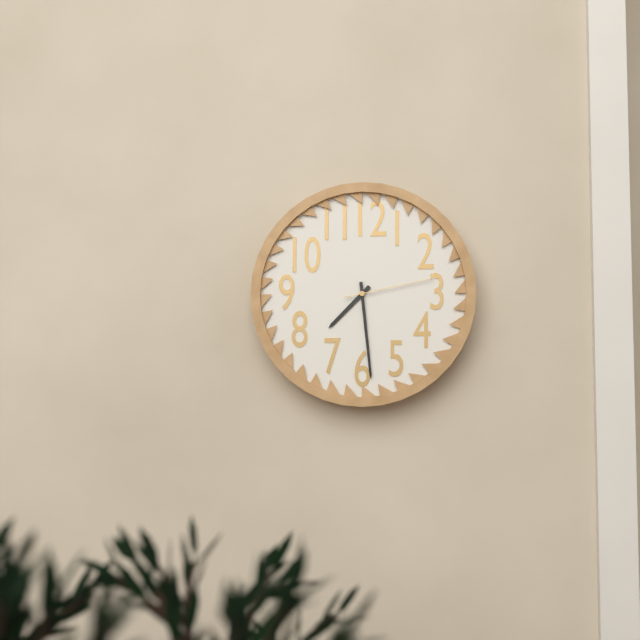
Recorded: 7h29m13s
